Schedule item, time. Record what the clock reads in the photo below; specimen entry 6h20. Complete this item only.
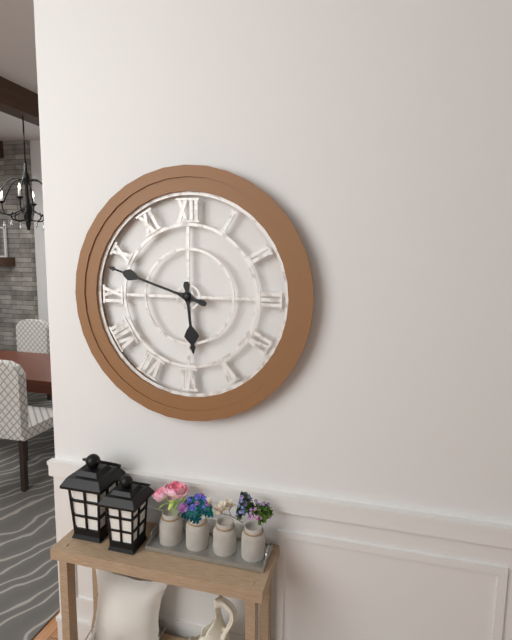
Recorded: 5h48
